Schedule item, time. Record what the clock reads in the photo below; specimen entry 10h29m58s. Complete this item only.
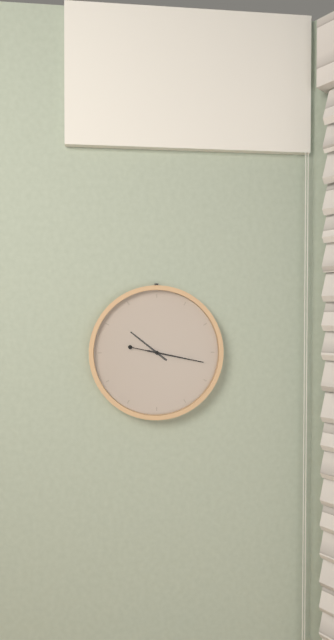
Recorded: 10h17m17s
